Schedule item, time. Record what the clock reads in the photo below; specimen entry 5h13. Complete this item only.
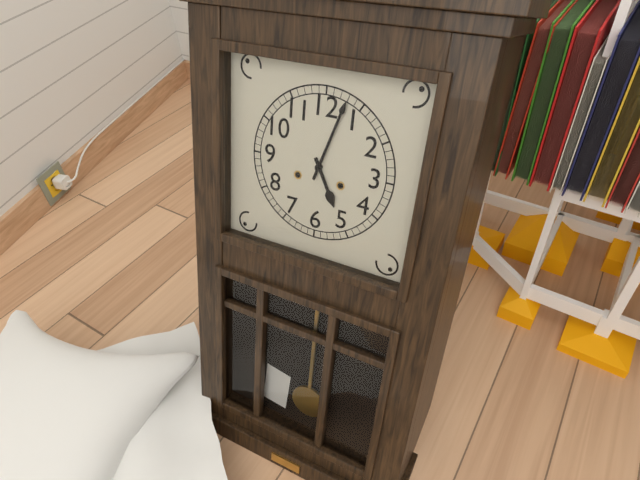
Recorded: 5h03
